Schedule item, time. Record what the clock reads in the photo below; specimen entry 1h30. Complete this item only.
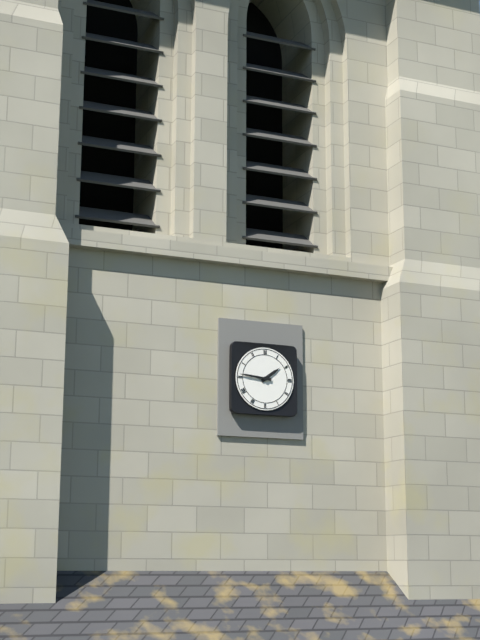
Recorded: 1h46
